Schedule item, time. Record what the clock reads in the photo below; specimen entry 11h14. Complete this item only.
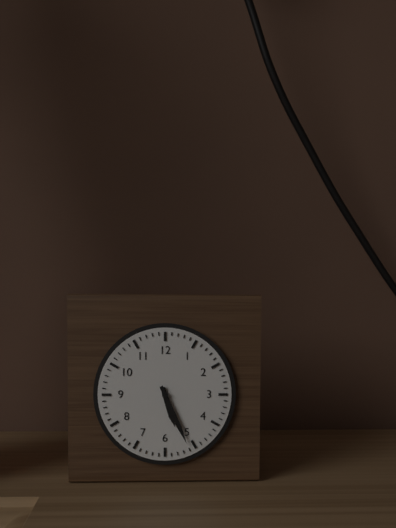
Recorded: 5h26
